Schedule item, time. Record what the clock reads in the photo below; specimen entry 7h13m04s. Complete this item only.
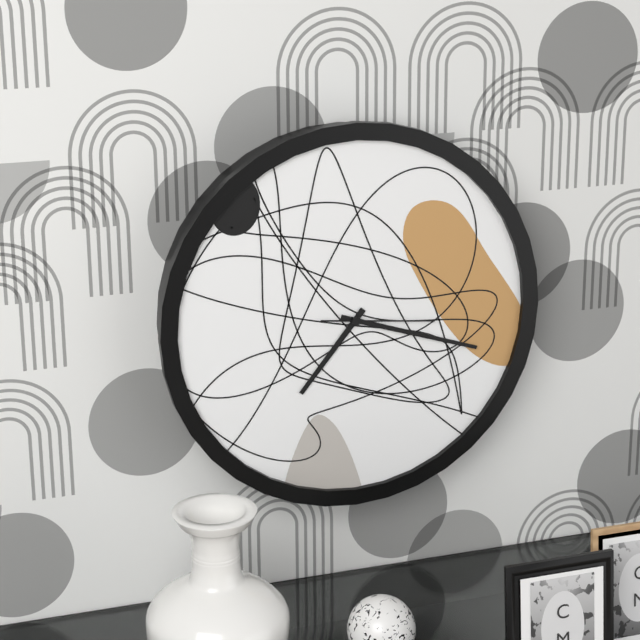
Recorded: 7h18m16s
